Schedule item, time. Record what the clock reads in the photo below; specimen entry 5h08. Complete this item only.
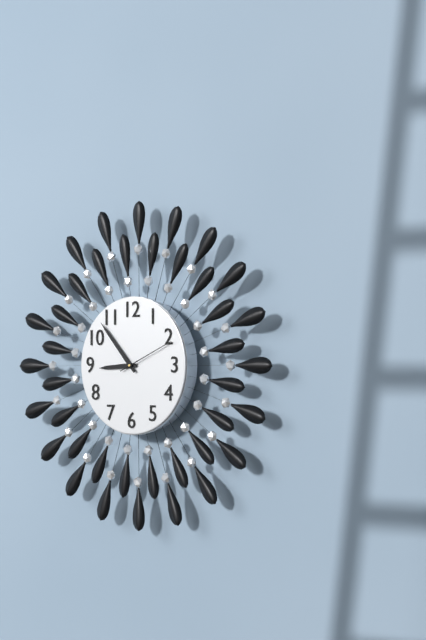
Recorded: 8h53
